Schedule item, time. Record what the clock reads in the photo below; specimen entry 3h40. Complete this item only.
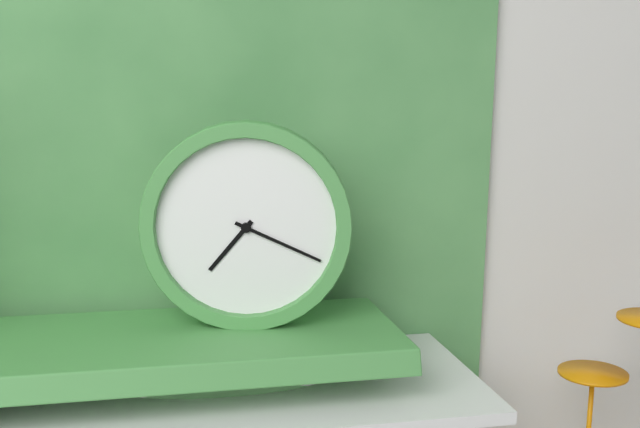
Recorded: 7h19
